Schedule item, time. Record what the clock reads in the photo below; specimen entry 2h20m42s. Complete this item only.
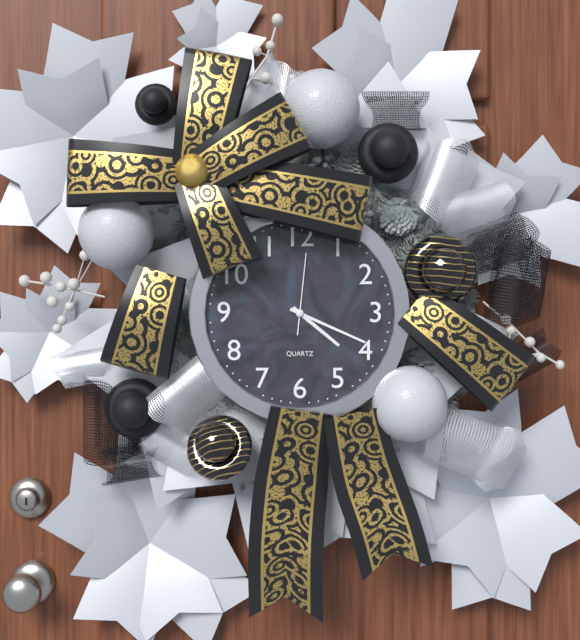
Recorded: 4h19m01s
